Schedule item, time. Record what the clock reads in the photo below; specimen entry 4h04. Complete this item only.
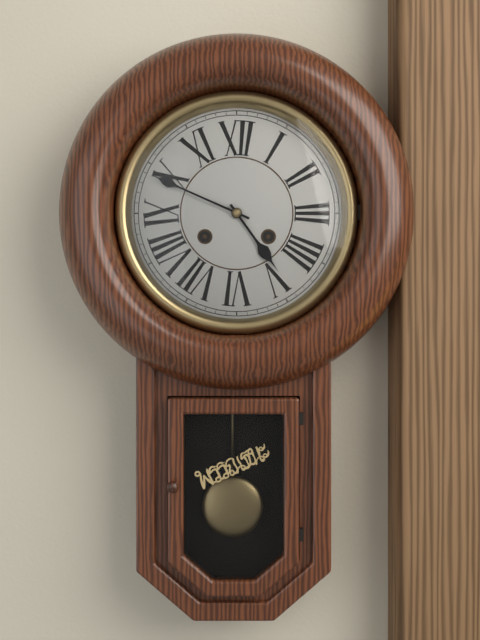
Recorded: 4h49
